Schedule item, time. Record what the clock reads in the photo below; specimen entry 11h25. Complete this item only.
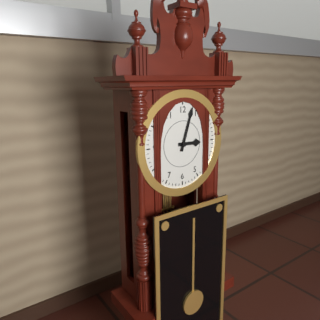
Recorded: 3h03
